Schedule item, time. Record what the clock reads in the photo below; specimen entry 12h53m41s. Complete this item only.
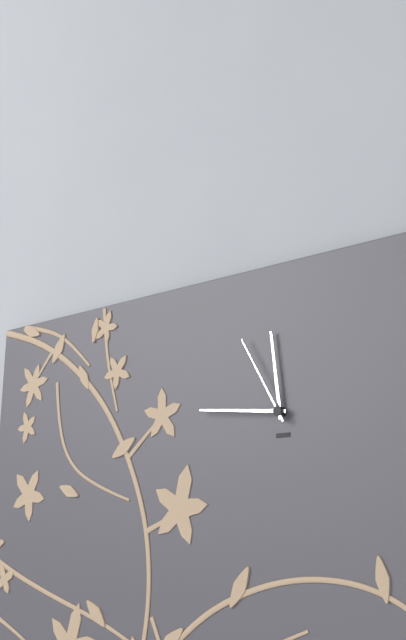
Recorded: 11h46m55s
